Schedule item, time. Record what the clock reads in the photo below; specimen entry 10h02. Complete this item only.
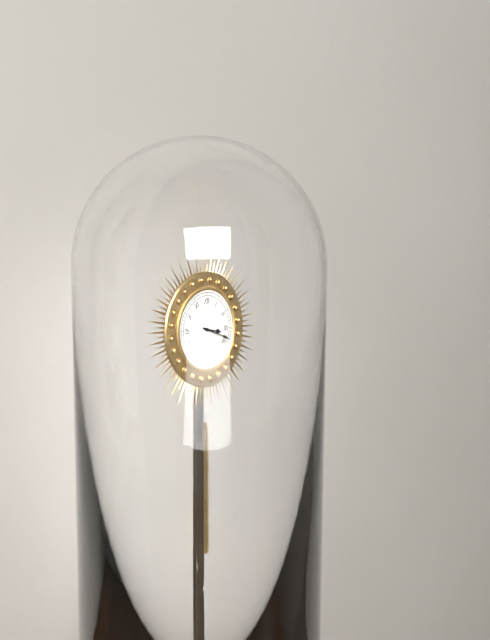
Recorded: 3h18
